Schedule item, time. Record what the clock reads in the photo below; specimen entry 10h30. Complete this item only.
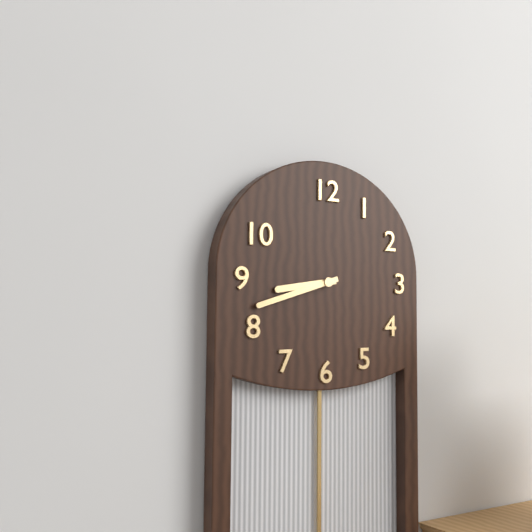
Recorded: 8h42
